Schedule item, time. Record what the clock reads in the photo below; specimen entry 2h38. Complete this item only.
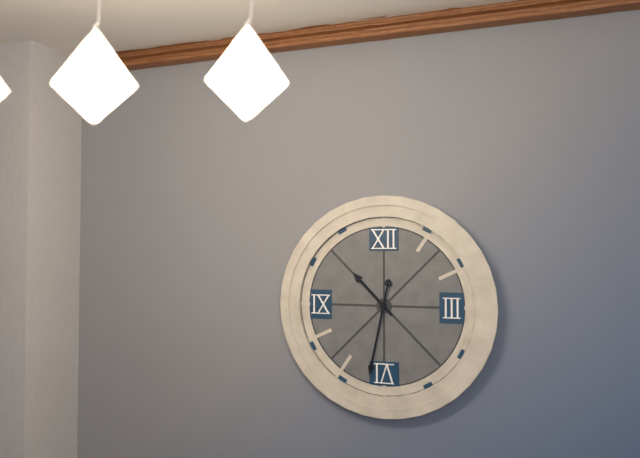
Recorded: 10h32
